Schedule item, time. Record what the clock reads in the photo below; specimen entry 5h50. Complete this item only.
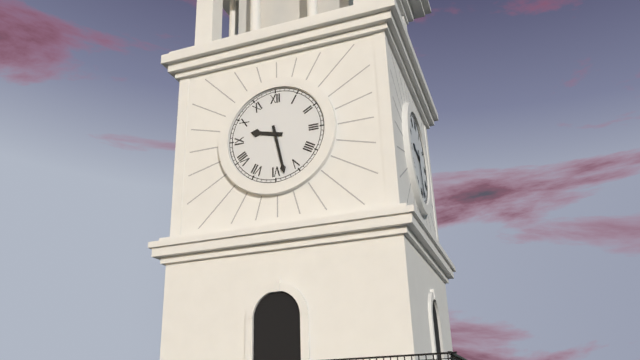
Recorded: 9h28
